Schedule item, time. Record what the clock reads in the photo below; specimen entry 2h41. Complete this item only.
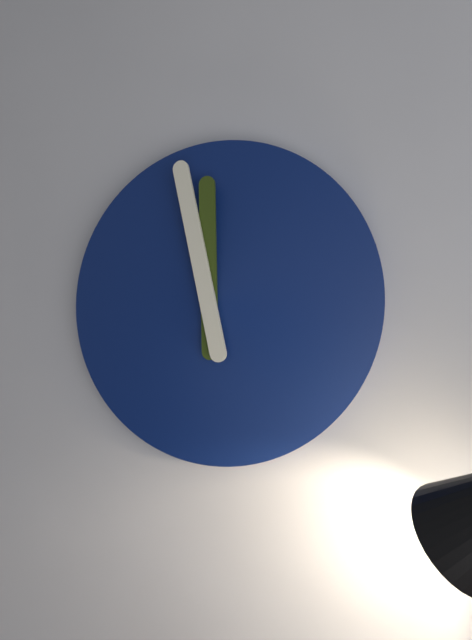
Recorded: 11h58
